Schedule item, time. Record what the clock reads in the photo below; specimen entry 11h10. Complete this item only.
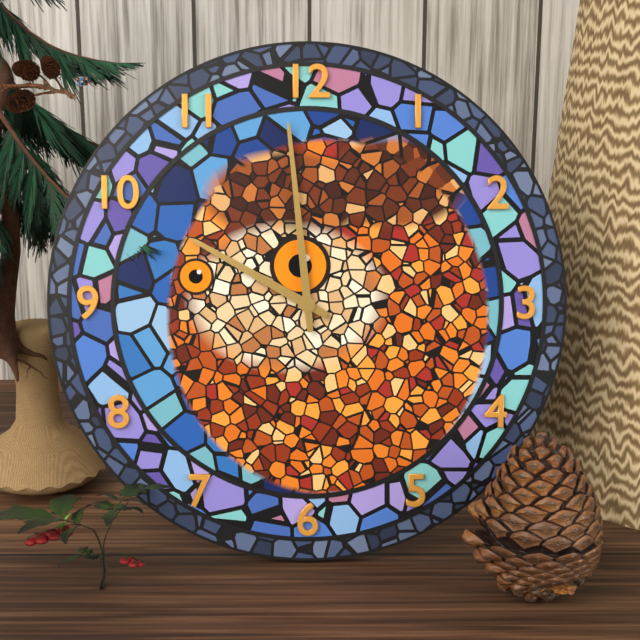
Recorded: 9h59
